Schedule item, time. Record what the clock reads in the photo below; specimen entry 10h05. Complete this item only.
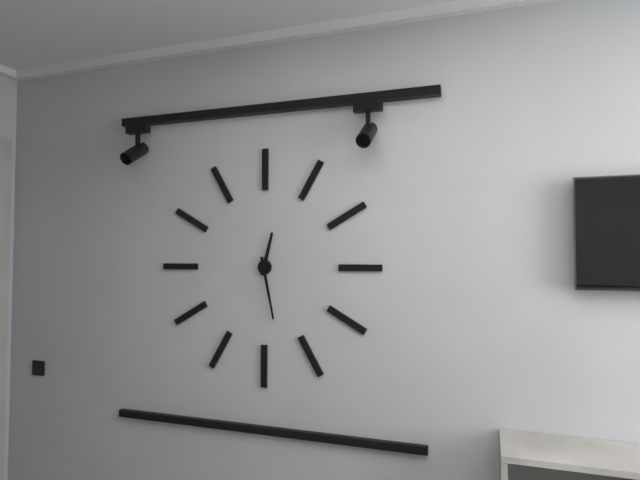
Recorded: 12h28
